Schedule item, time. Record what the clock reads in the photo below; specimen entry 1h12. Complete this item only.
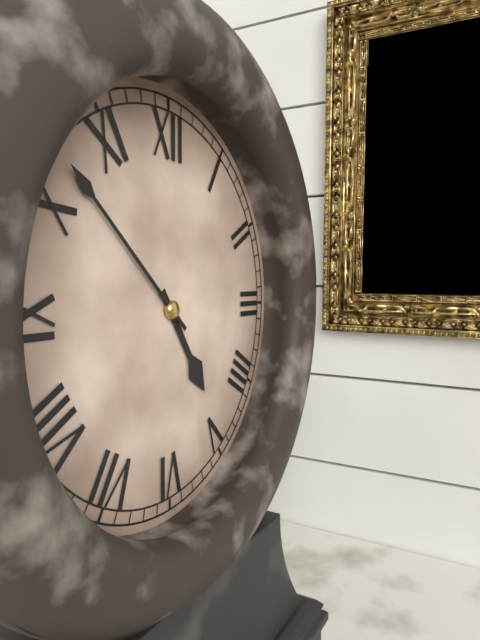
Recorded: 4h52
